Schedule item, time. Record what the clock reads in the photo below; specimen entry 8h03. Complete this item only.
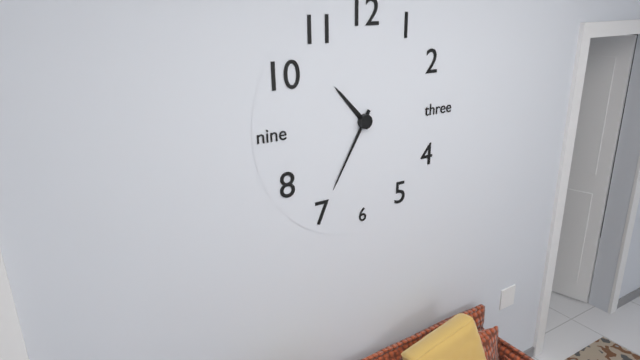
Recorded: 10h35
